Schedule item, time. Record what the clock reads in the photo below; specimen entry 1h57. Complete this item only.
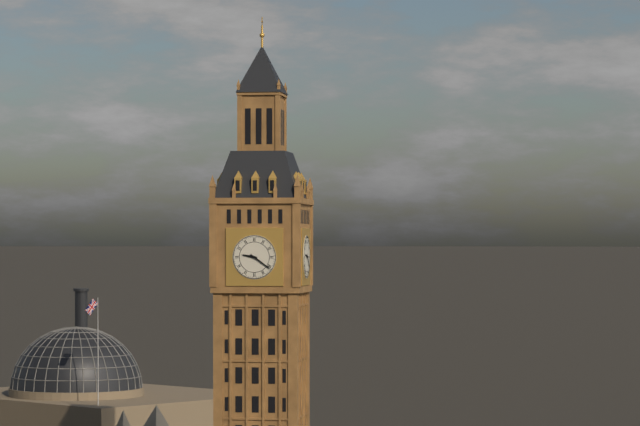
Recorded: 9h21
